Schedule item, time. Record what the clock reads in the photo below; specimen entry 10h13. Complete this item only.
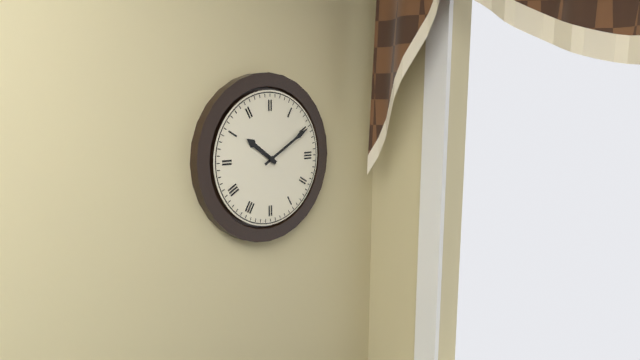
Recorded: 10h10
